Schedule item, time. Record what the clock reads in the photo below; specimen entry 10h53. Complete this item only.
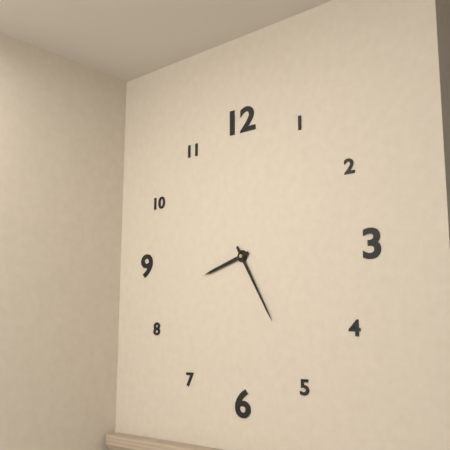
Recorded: 8h25
